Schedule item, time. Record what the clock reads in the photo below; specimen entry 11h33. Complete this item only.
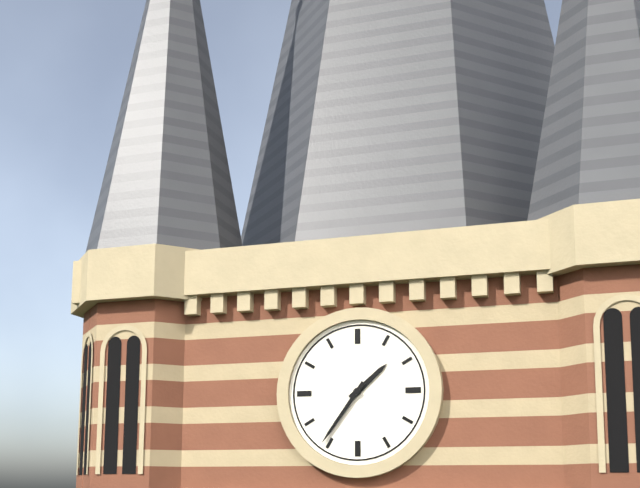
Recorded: 1h36
